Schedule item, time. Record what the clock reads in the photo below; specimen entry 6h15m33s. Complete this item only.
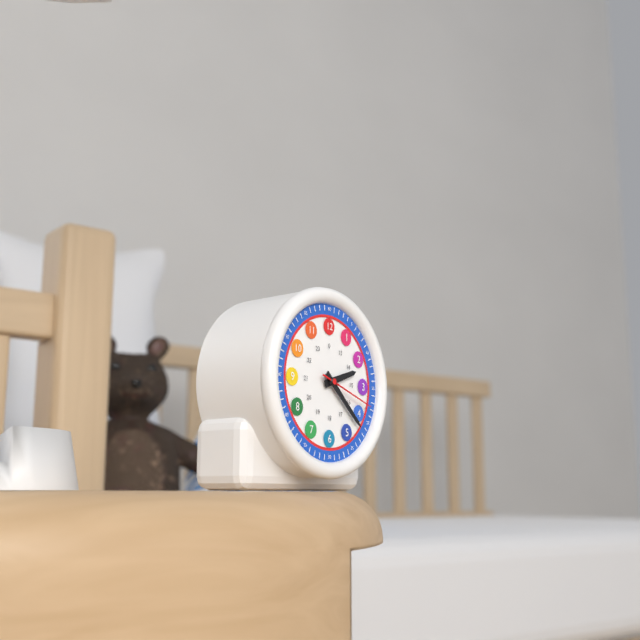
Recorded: 2h22m18s
